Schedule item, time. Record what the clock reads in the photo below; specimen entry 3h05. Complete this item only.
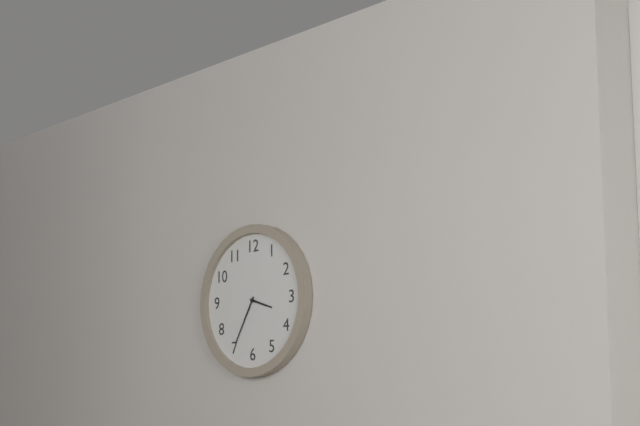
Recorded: 3h35
